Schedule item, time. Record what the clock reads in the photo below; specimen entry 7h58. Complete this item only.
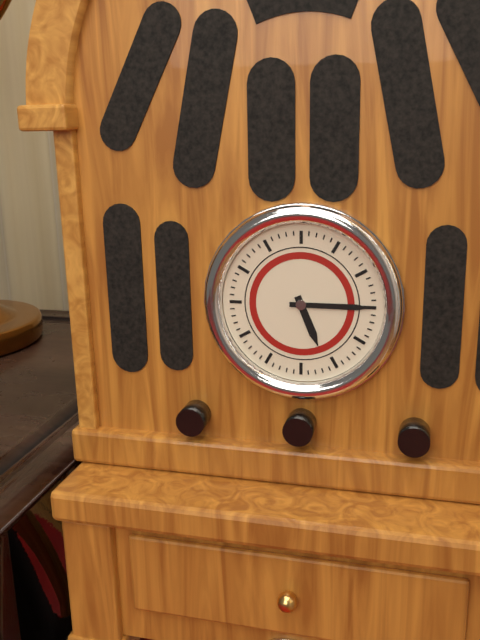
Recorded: 5h15
